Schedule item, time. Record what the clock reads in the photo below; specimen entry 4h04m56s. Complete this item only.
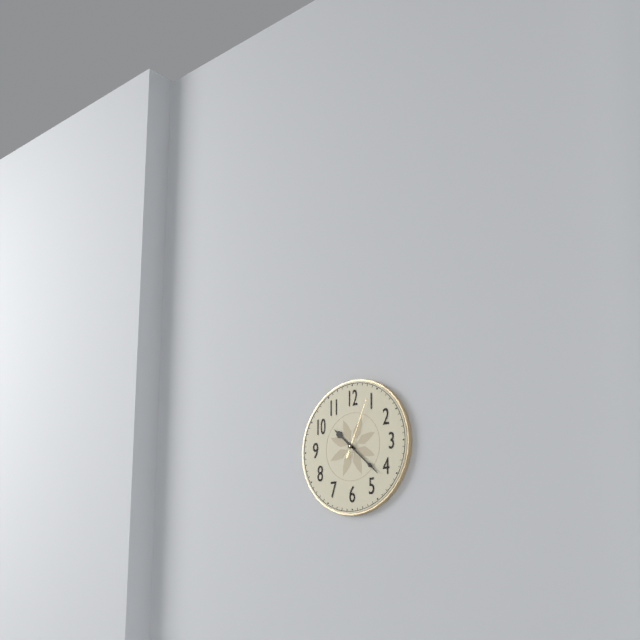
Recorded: 10h22m04s
